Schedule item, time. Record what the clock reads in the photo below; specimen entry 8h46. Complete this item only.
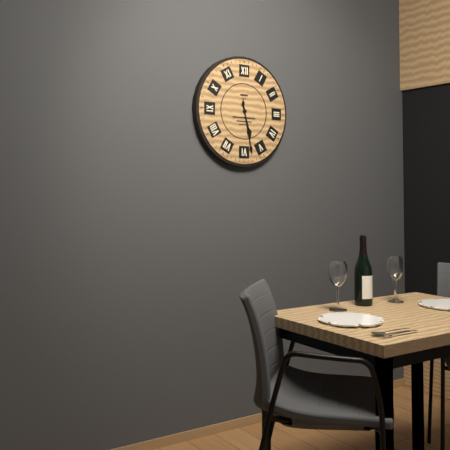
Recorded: 5h28
